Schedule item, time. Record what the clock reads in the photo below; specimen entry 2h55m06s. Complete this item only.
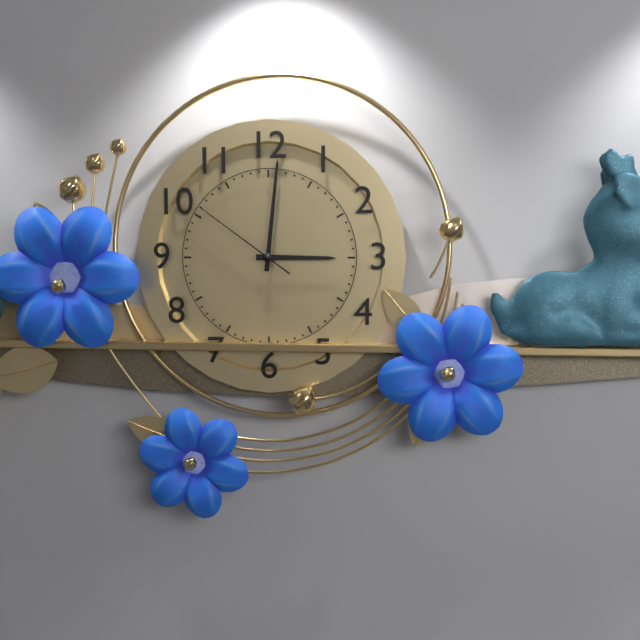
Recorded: 3h01m51s
